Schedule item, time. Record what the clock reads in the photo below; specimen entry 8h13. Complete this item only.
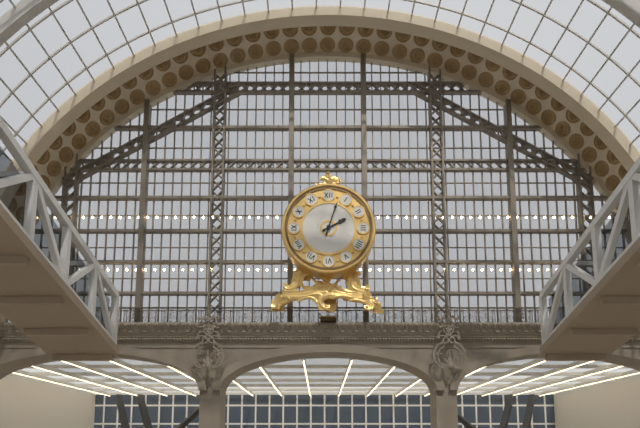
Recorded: 2h03
